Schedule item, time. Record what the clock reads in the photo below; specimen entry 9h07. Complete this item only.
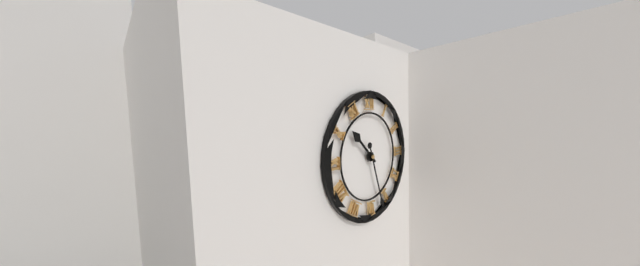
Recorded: 10h27
